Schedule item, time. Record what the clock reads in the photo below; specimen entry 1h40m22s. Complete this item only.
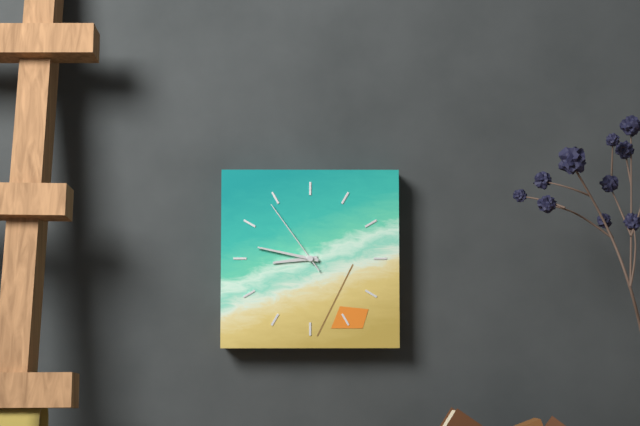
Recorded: 8h47m54s
